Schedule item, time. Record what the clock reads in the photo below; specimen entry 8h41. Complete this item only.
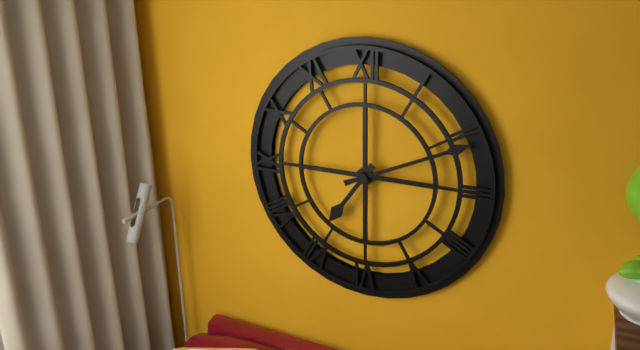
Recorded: 7h11
